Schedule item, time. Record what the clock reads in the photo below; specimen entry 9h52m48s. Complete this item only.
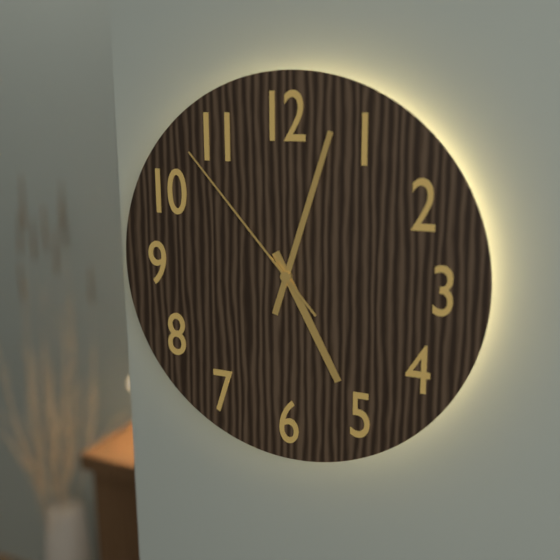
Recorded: 5h03m53s
